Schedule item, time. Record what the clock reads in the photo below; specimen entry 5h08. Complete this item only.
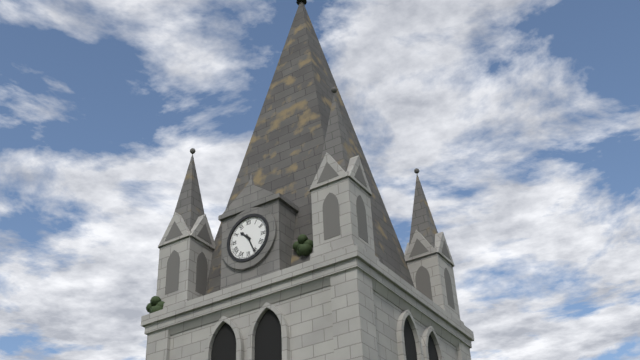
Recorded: 10h26
